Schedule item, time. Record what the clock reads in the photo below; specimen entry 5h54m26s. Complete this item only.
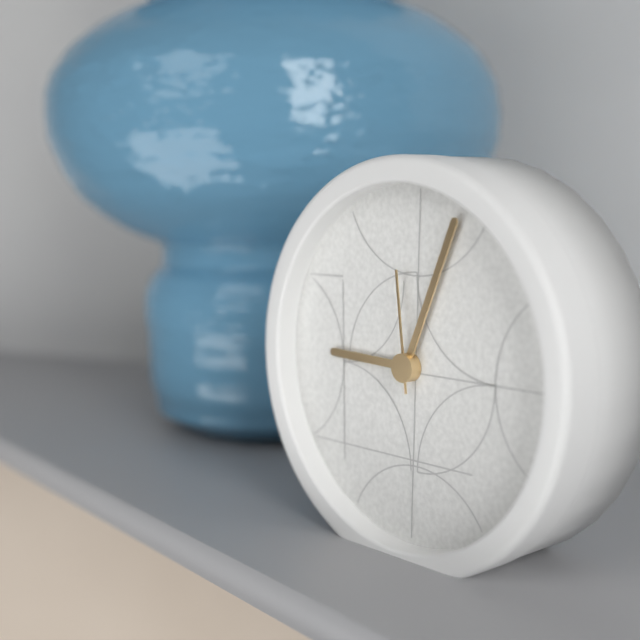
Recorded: 9h04m59s
